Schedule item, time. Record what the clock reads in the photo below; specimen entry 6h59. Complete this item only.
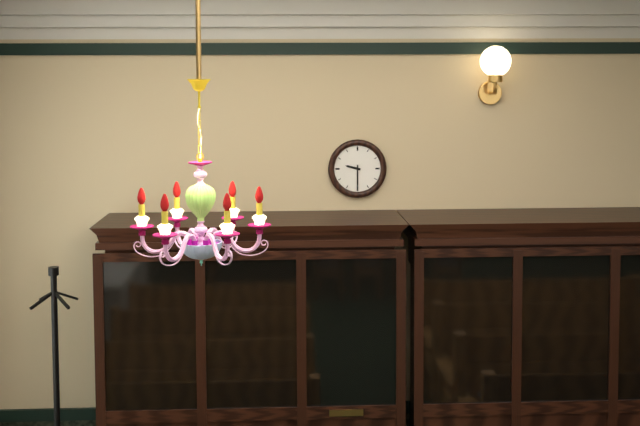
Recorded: 9h30
